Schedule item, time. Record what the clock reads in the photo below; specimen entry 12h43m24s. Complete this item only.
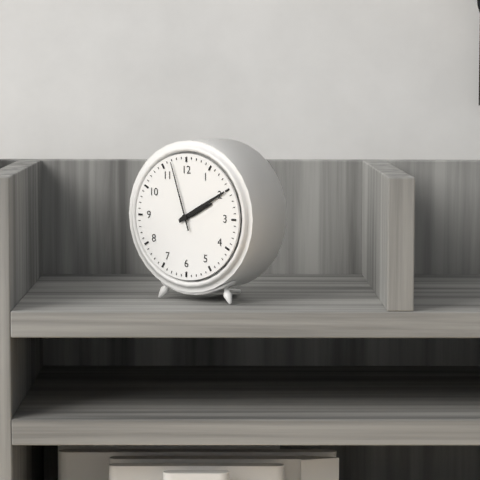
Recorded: 2h10m57s
